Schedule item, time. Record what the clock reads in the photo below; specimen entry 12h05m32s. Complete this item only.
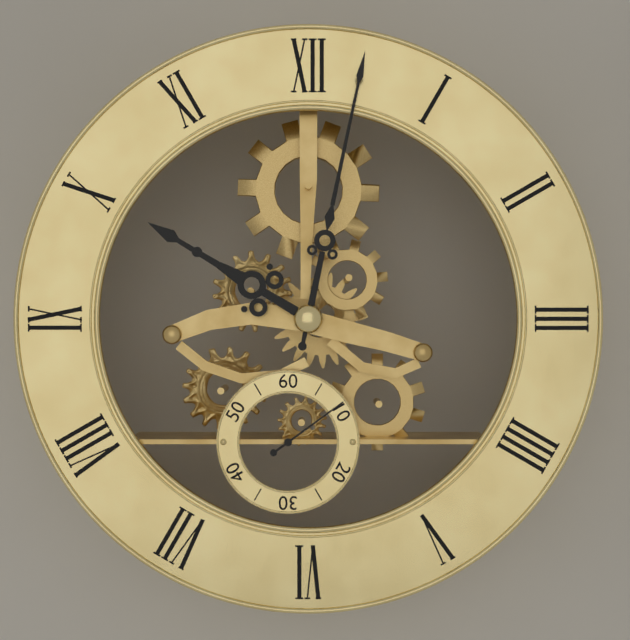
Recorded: 10h02m09s
